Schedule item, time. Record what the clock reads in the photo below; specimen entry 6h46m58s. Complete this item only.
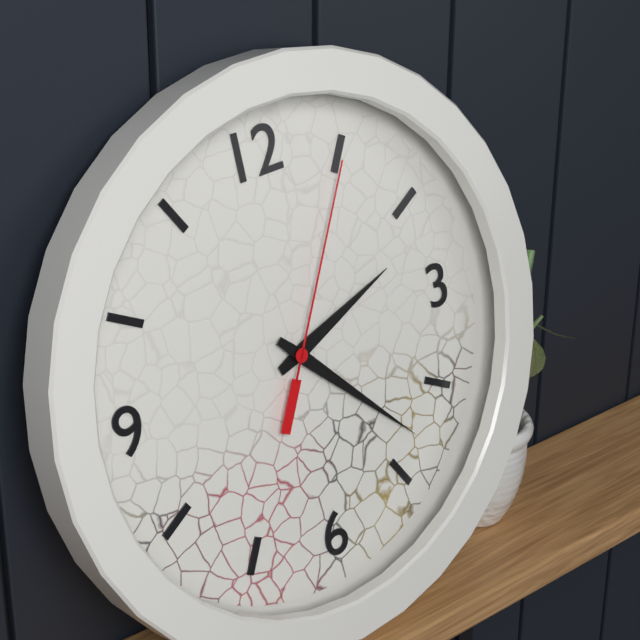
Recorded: 2h23m05s
